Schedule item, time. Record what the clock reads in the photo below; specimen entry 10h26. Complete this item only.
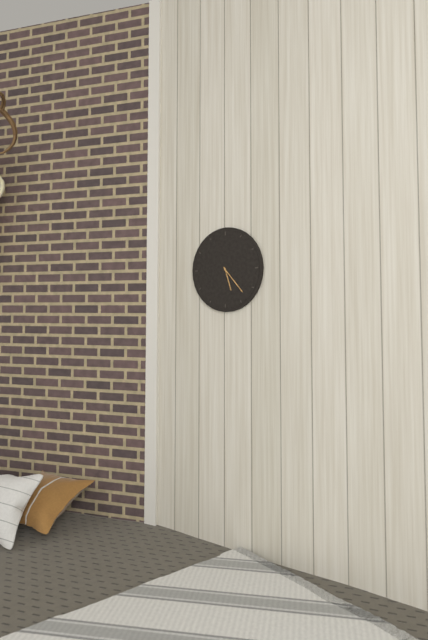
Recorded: 5h23
